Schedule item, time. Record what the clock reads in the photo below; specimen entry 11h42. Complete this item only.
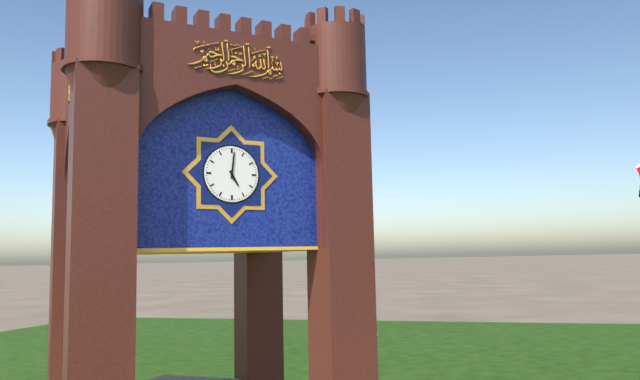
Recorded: 5h01
